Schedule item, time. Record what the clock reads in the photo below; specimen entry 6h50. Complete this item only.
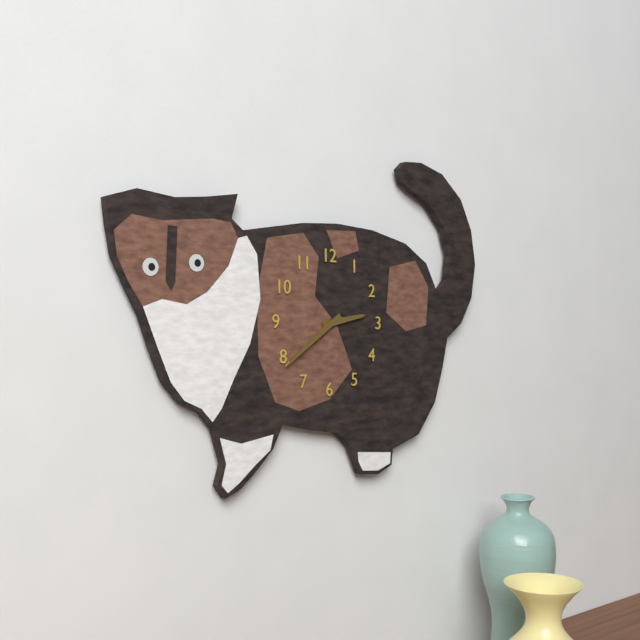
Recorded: 2h39
